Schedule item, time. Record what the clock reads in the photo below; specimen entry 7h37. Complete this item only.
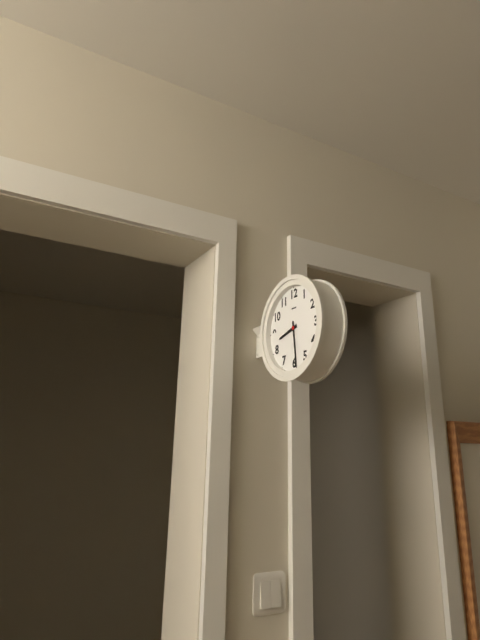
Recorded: 8h29
